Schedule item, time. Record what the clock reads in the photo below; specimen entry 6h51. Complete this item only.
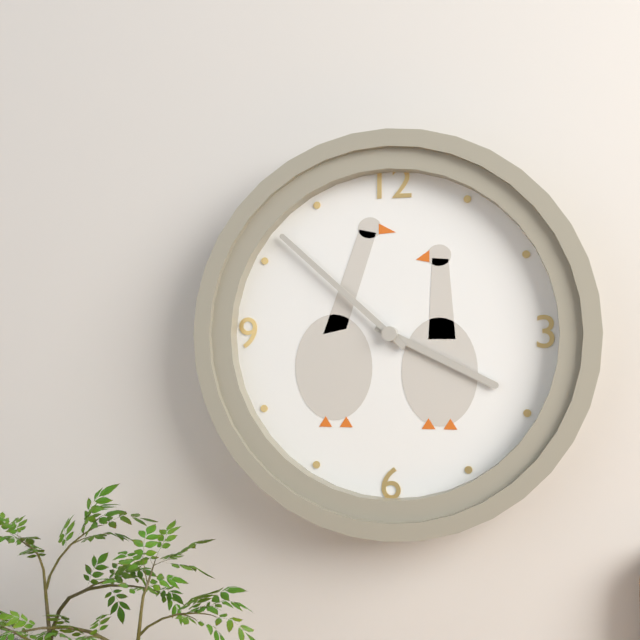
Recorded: 3h52
